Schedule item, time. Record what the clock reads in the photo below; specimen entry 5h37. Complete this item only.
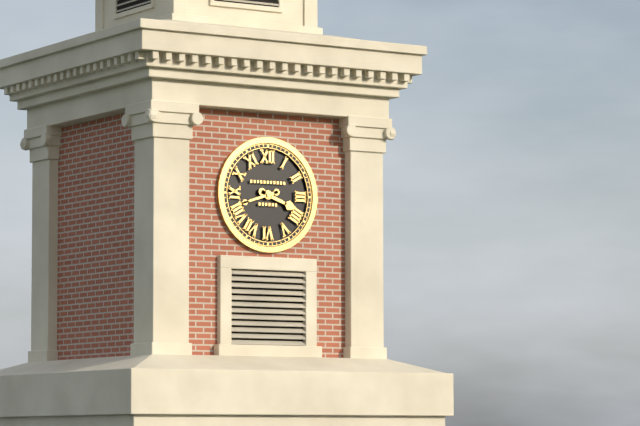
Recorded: 3h42
